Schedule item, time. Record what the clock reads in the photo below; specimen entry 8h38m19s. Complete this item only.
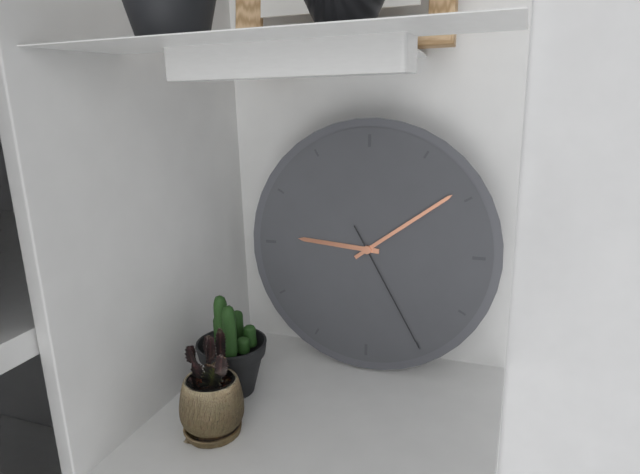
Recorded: 9h09m25s
